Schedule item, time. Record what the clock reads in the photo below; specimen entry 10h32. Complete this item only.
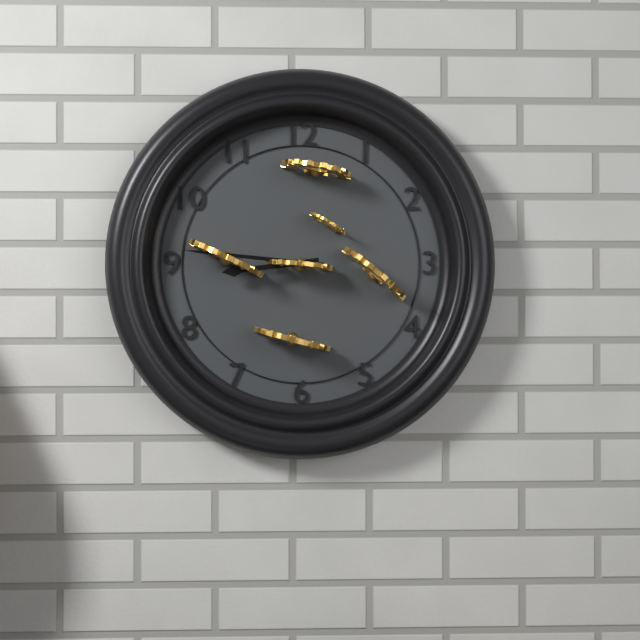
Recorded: 8h46
